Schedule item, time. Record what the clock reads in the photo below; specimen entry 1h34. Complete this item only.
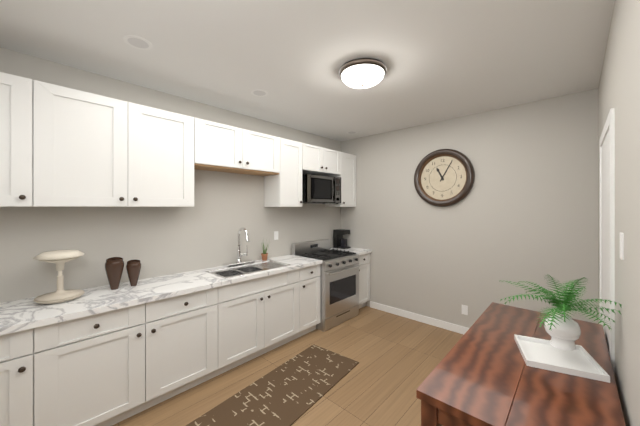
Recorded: 11h05
